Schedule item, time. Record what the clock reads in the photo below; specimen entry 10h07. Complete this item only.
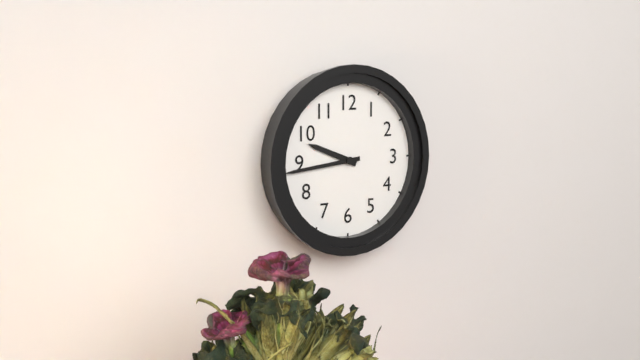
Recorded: 9h44
